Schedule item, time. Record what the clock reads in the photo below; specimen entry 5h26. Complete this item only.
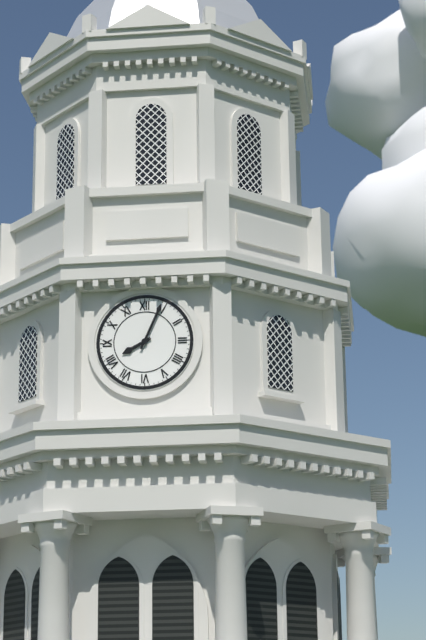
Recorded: 8h04
